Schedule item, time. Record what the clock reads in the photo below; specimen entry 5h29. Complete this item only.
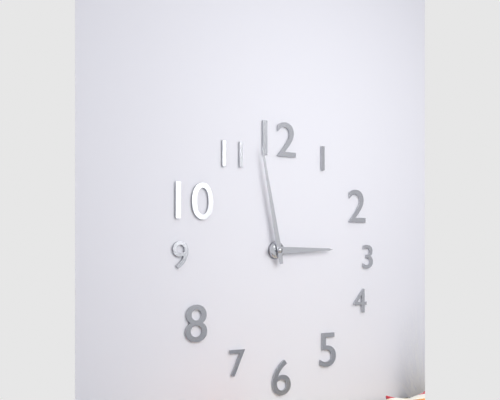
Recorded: 2h58
